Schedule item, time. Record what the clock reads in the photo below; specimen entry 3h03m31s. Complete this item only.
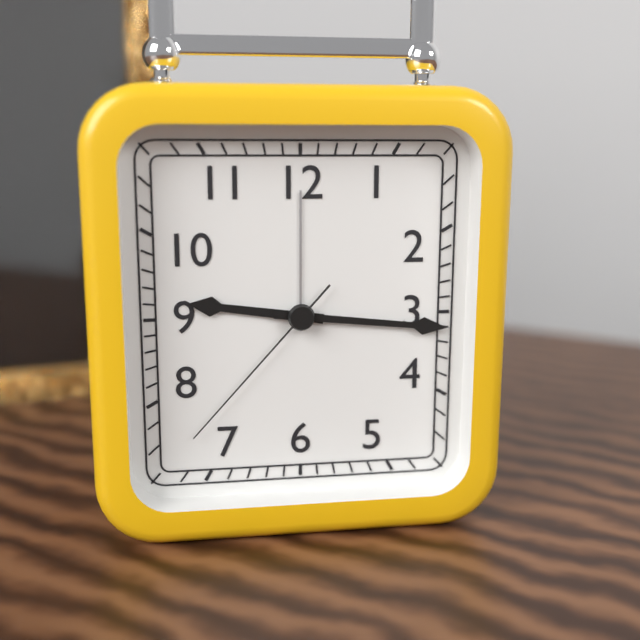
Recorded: 9h16m37s
